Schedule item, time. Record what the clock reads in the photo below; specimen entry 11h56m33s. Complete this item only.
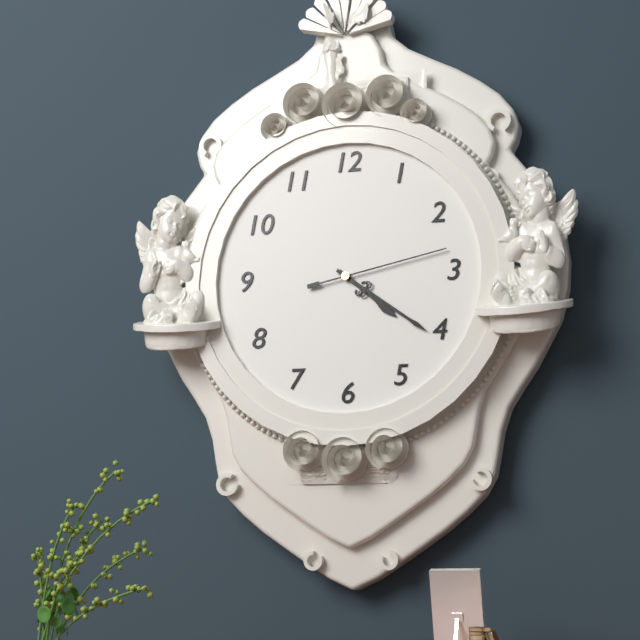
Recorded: 4h21m13s
